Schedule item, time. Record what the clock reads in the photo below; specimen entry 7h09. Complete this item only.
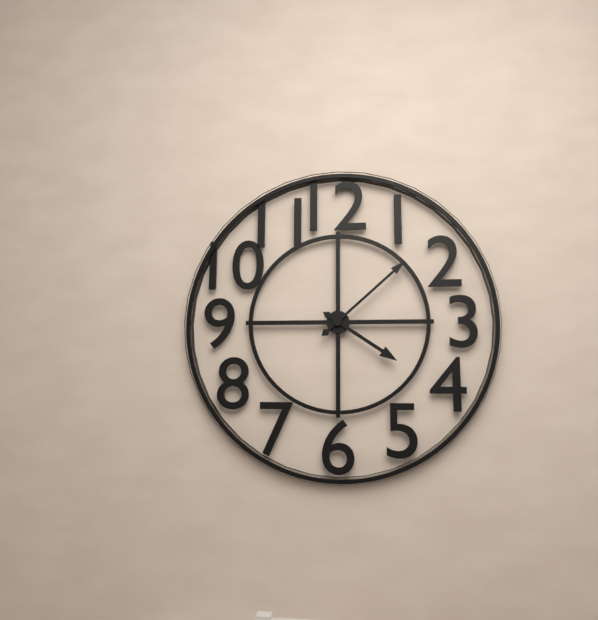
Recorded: 4h08
